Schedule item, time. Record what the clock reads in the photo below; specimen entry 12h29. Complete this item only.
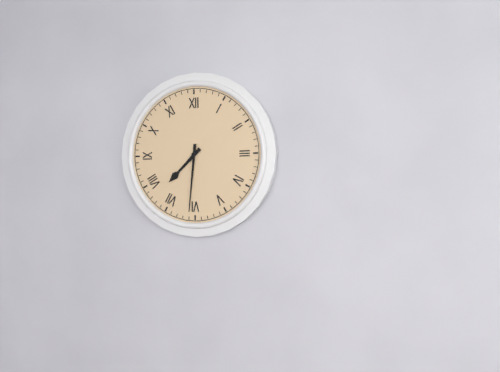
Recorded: 7h31
